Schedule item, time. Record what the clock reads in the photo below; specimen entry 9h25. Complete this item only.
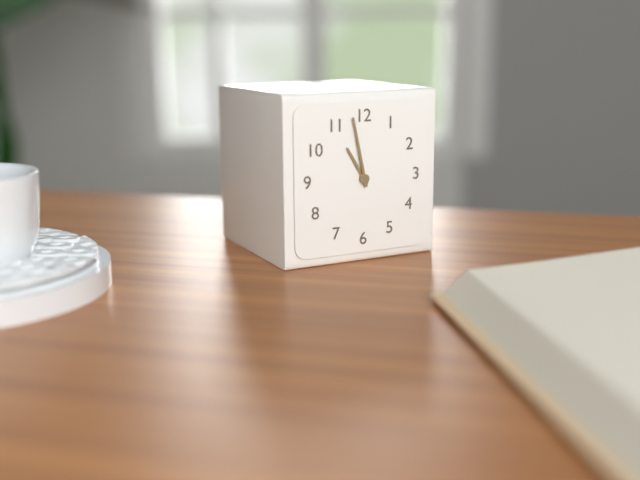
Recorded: 10h58
